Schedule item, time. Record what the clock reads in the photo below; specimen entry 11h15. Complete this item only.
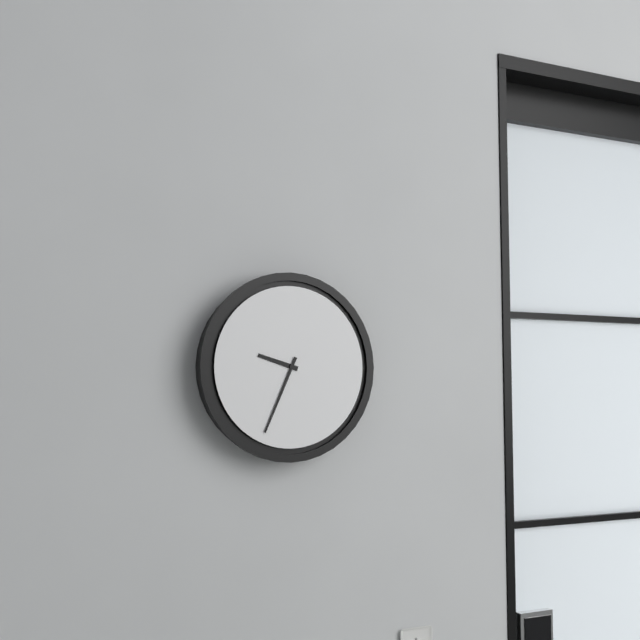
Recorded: 9h34
